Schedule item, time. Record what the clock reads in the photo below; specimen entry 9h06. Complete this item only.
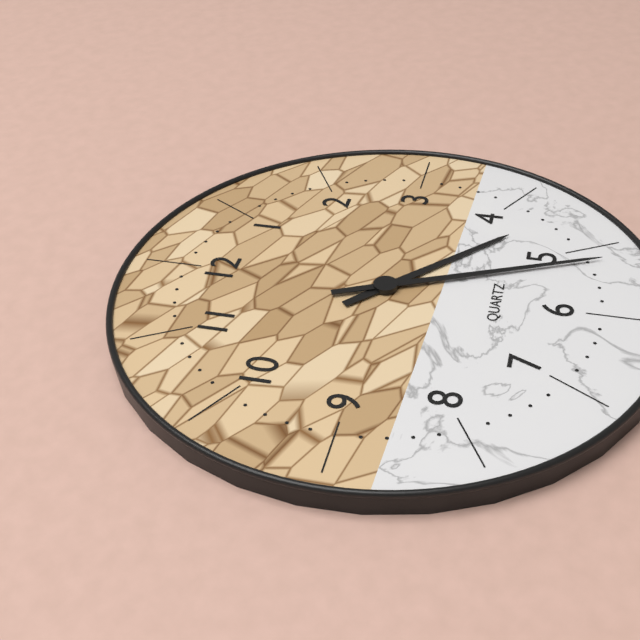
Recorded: 4h26
